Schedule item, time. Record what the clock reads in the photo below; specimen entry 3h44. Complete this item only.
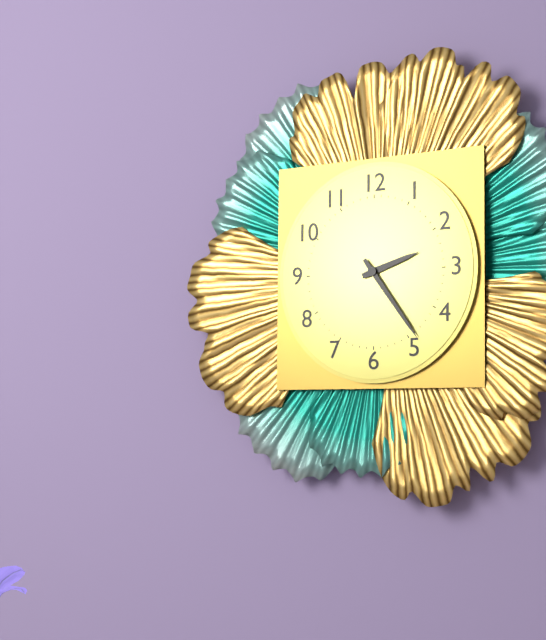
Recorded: 2h24
